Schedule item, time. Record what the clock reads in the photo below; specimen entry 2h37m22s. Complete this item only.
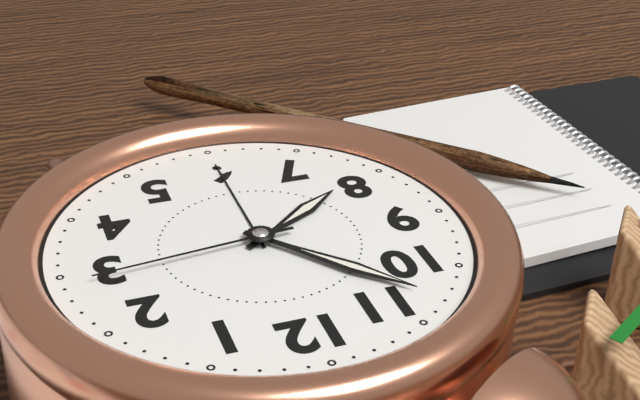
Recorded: 7h53m14s
